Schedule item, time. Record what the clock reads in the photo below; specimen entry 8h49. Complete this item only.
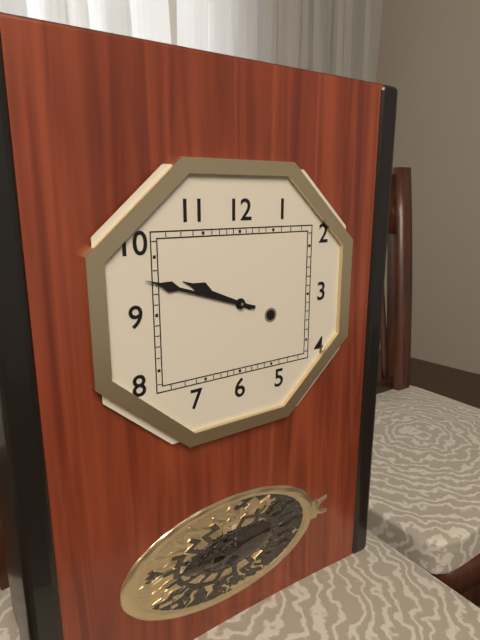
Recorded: 9h48
